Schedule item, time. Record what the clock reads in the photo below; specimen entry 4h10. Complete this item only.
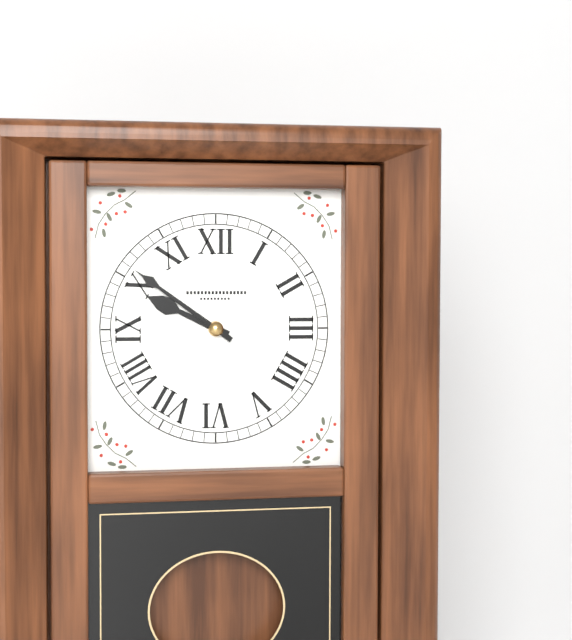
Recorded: 9h51
